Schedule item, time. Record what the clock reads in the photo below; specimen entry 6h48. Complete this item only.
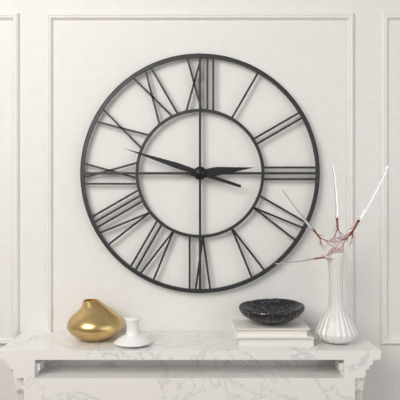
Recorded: 2h48
